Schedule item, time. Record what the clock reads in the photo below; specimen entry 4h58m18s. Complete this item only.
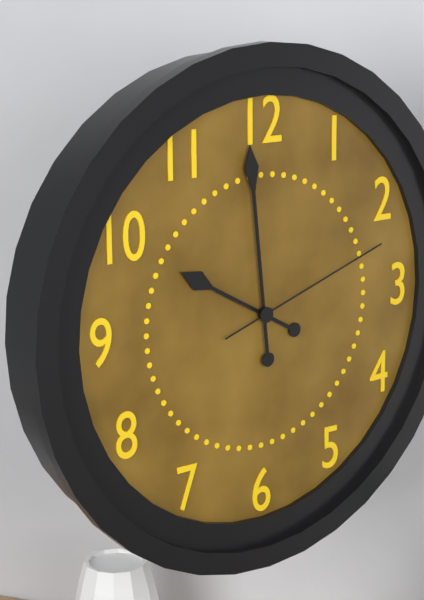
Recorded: 9h59m12s
